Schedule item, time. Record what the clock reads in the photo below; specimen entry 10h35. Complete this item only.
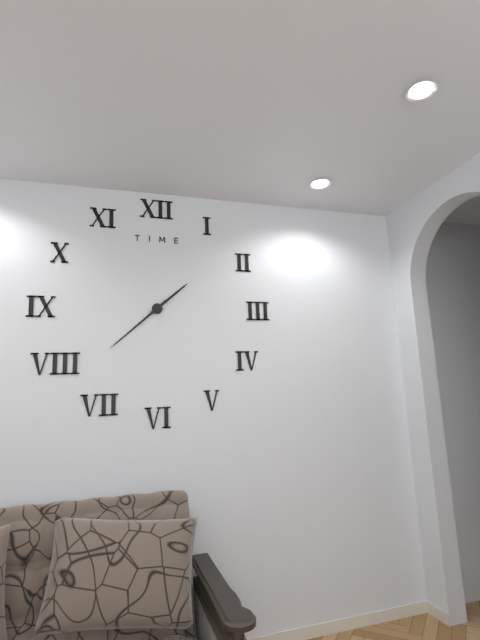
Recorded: 1h38
